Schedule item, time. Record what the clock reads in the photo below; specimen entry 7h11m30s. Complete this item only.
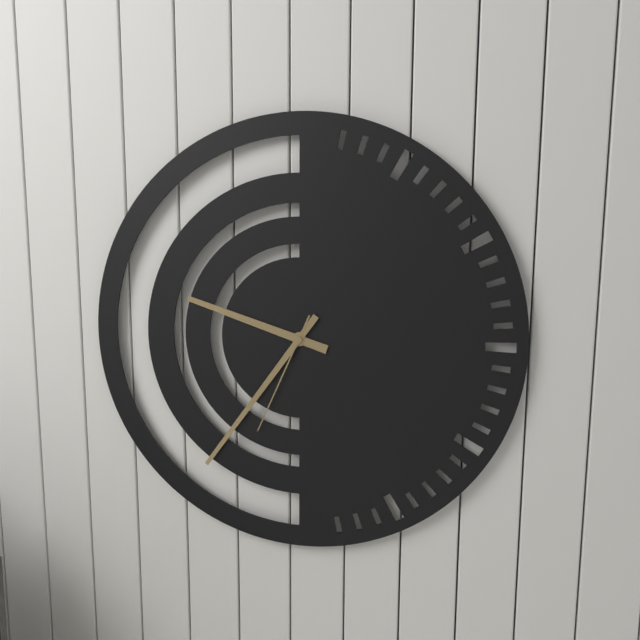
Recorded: 9h36m34s
